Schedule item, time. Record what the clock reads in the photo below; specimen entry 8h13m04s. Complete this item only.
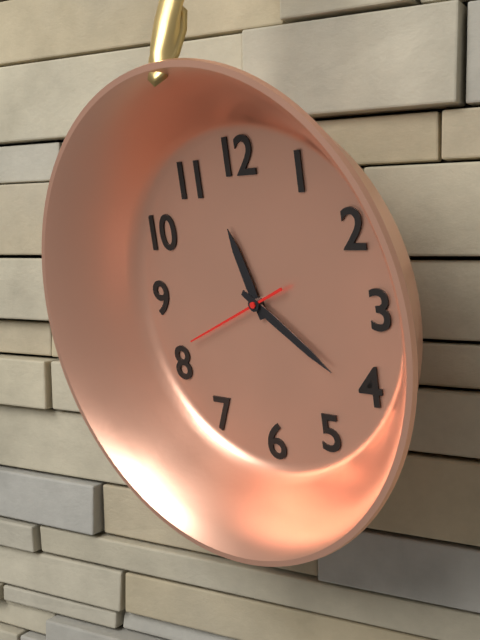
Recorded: 11h21m41s
